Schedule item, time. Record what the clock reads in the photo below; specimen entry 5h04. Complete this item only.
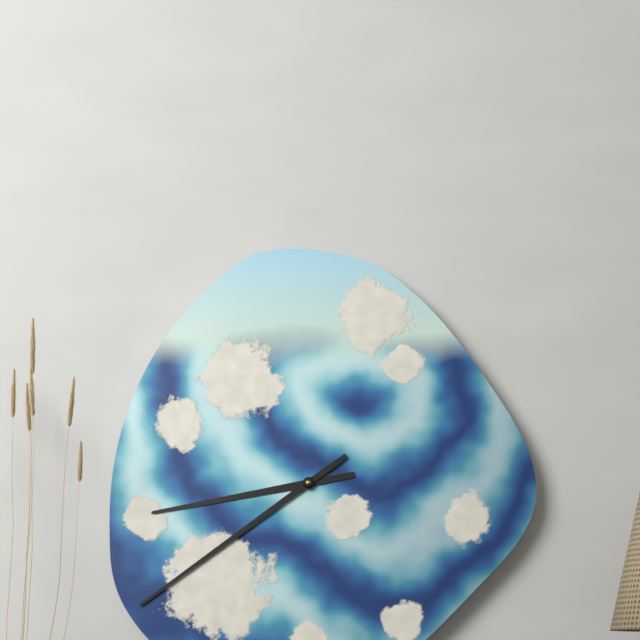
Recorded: 8h39
